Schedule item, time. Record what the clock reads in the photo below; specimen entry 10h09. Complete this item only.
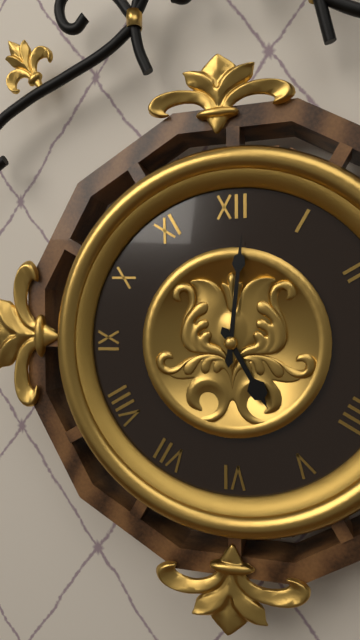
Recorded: 5h01
